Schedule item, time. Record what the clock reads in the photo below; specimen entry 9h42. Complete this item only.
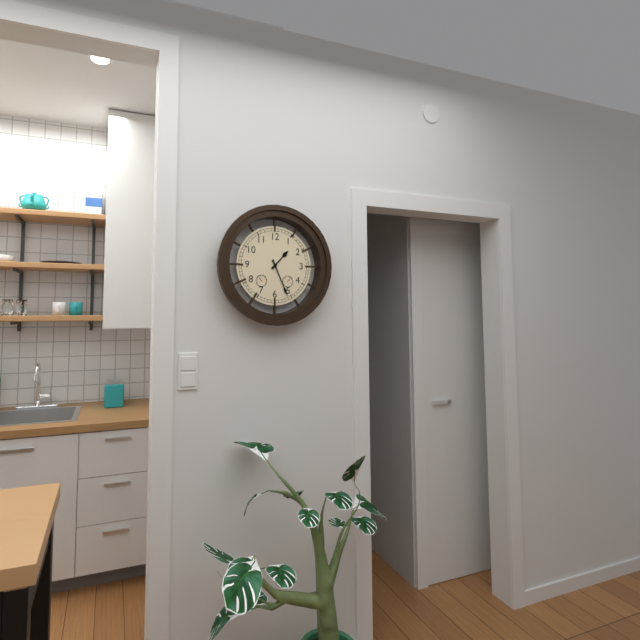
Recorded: 1h26
